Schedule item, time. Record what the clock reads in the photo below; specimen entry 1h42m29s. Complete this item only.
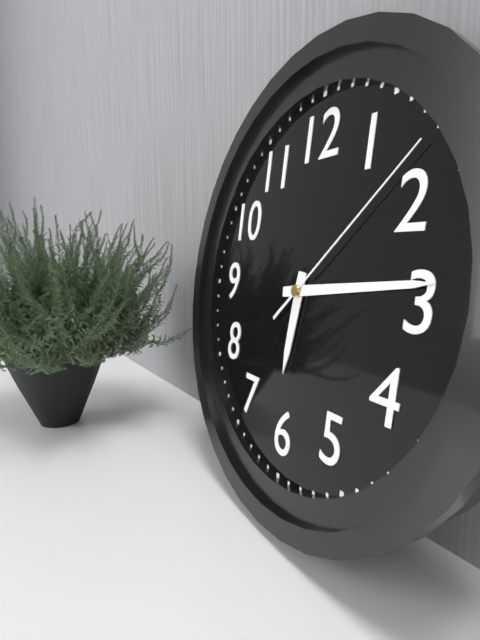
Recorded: 6h14m08s
